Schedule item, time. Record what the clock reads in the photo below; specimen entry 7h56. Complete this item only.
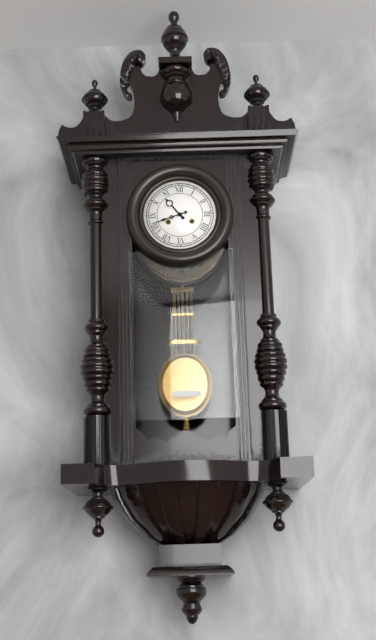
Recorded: 10h42
